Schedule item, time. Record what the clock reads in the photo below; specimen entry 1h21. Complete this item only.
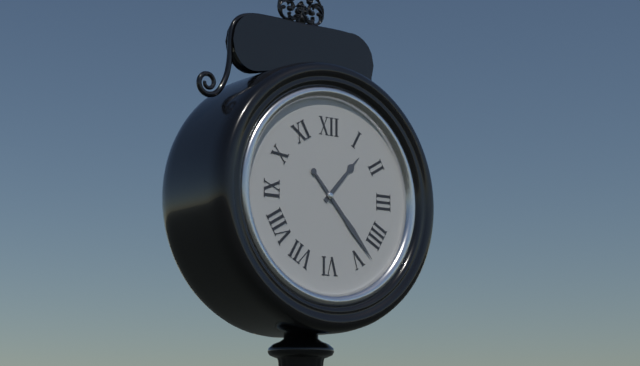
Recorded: 1h23
